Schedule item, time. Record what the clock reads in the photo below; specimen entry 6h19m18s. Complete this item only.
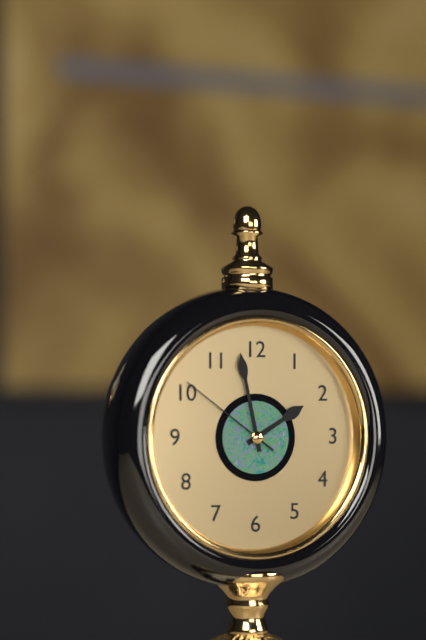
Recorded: 1h58m51s
